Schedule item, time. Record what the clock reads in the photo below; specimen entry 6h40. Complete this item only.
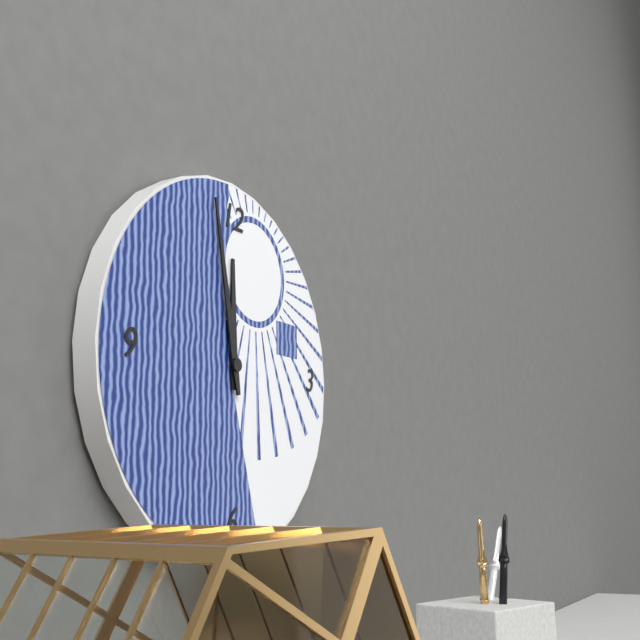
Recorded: 11h58
